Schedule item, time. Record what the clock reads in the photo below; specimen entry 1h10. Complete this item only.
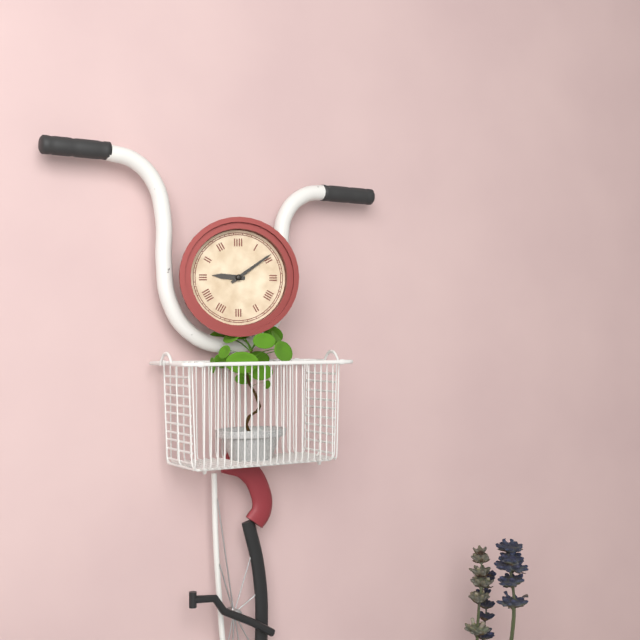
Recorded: 9h09
